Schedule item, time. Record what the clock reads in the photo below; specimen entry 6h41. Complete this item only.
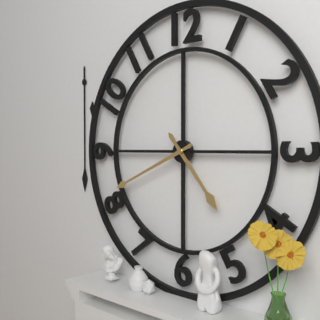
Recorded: 4h41
